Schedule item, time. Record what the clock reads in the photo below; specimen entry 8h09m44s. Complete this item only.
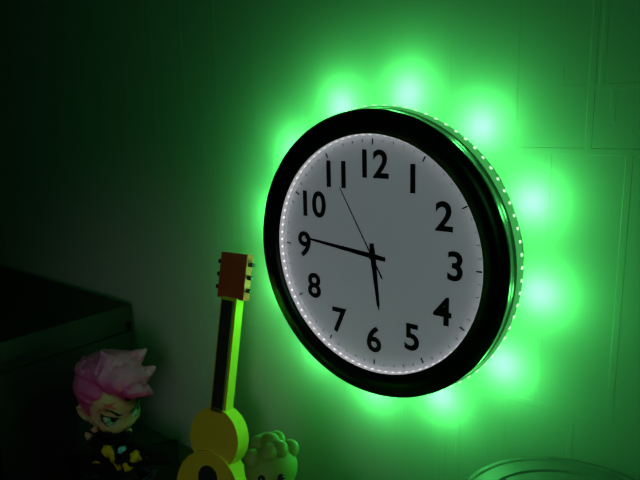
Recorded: 5h46m55s
